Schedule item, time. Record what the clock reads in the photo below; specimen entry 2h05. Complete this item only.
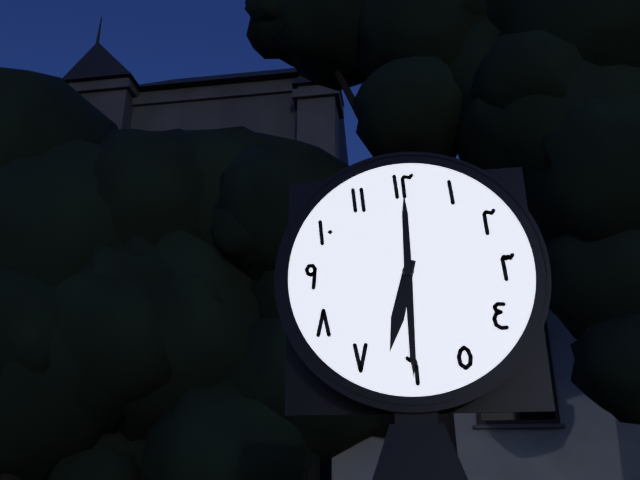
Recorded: 6h30
